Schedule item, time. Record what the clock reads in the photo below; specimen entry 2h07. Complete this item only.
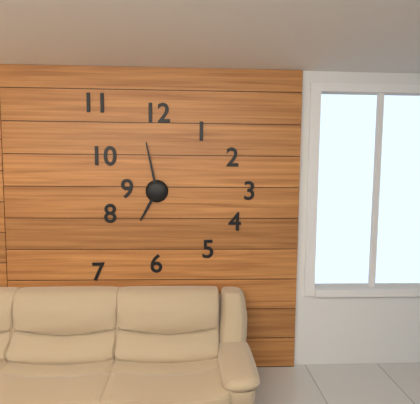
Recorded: 6h58
